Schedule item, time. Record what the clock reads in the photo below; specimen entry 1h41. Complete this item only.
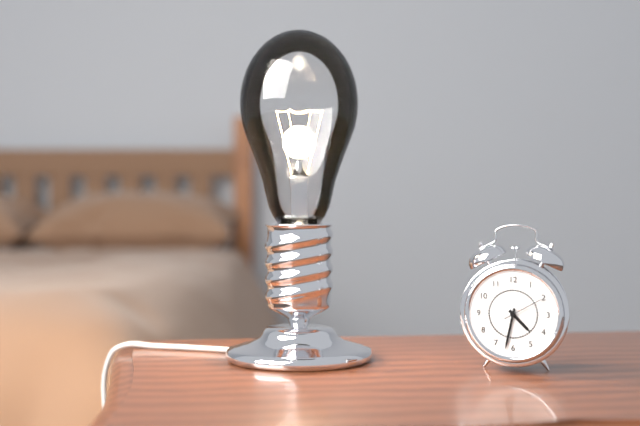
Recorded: 4h32
